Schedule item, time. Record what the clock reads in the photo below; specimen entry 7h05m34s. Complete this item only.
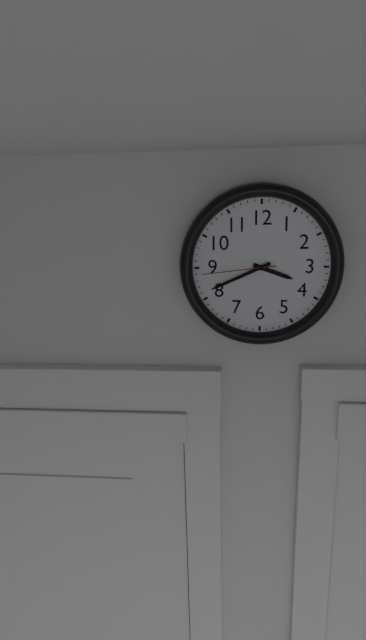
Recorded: 3h41m44s
